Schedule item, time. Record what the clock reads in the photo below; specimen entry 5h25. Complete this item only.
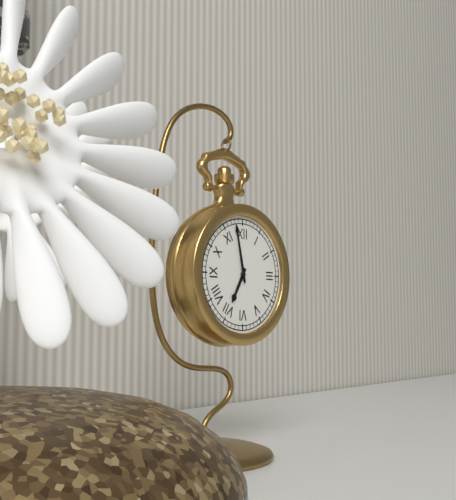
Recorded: 6h58
